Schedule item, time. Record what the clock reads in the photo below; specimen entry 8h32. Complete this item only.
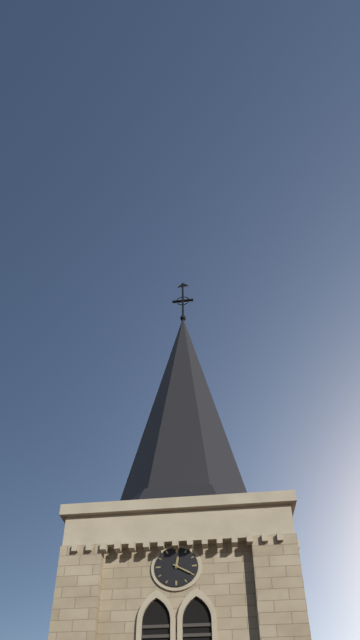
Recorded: 12h20
